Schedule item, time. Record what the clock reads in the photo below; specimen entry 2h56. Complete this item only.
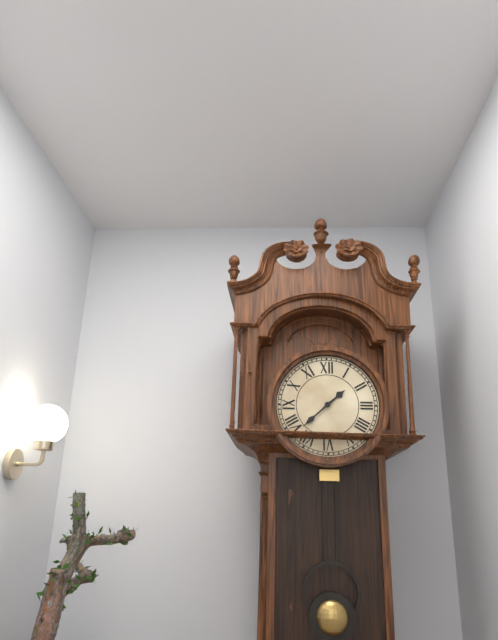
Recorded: 1h38
